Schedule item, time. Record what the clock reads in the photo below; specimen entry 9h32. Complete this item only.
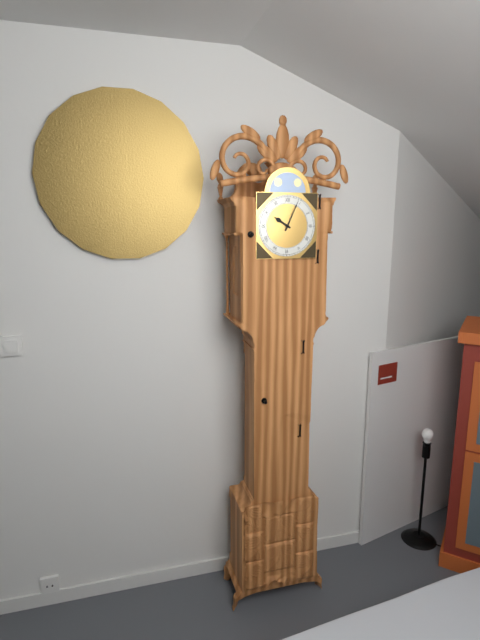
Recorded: 10h04
